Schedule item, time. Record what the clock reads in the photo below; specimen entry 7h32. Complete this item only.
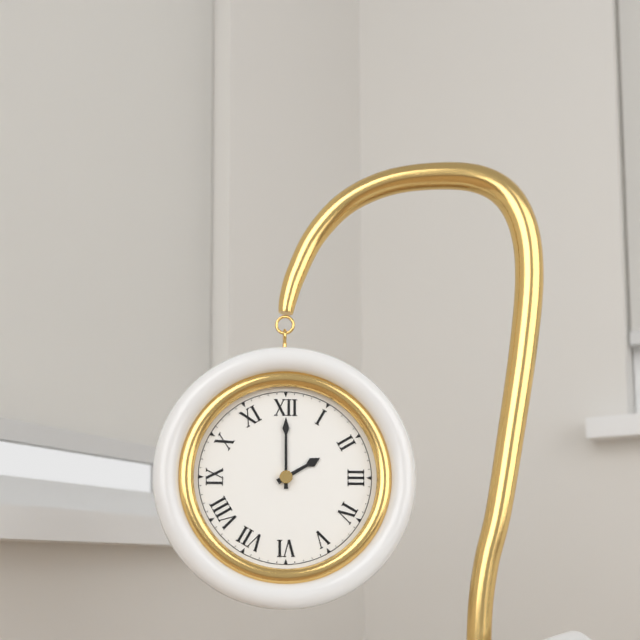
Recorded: 2h00
